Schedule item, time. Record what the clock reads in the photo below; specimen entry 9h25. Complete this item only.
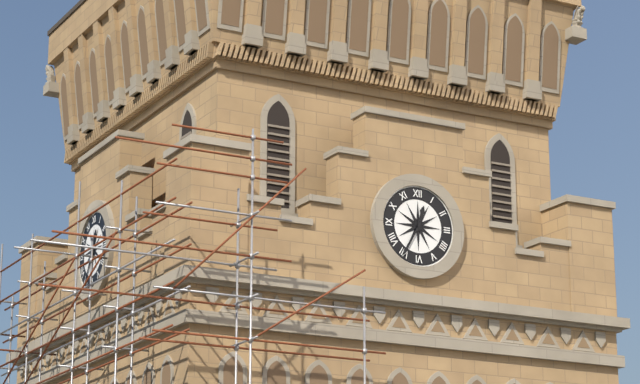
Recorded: 12h35
